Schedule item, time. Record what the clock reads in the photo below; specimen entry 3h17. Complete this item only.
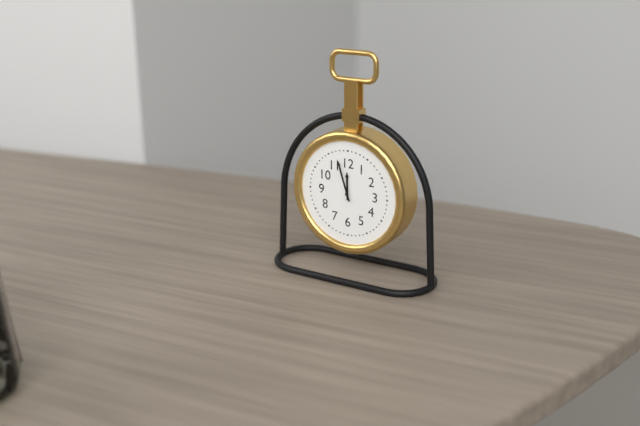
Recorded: 11h57
